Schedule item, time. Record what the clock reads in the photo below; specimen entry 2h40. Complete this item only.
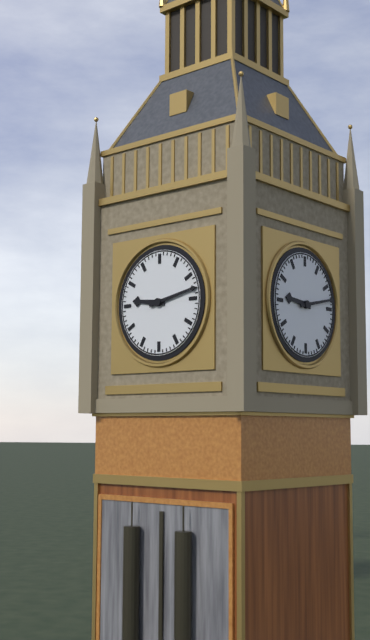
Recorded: 9h13
